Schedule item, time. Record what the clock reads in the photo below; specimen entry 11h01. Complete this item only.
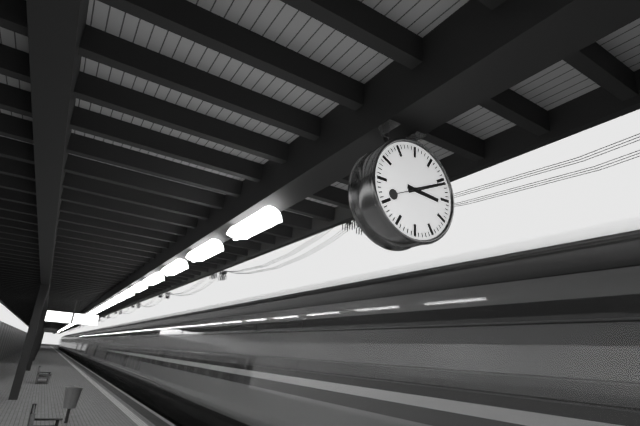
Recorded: 3h11
